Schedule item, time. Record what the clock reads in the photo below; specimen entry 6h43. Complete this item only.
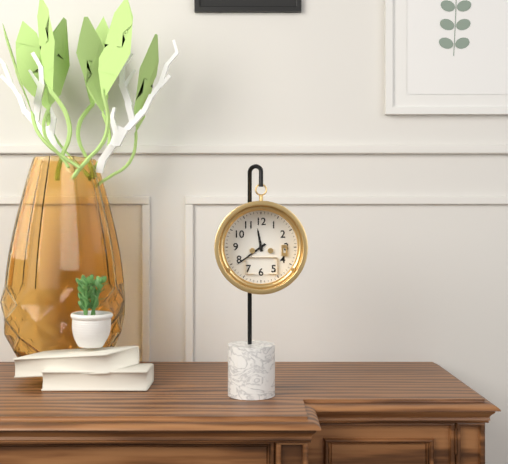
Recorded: 11h39
